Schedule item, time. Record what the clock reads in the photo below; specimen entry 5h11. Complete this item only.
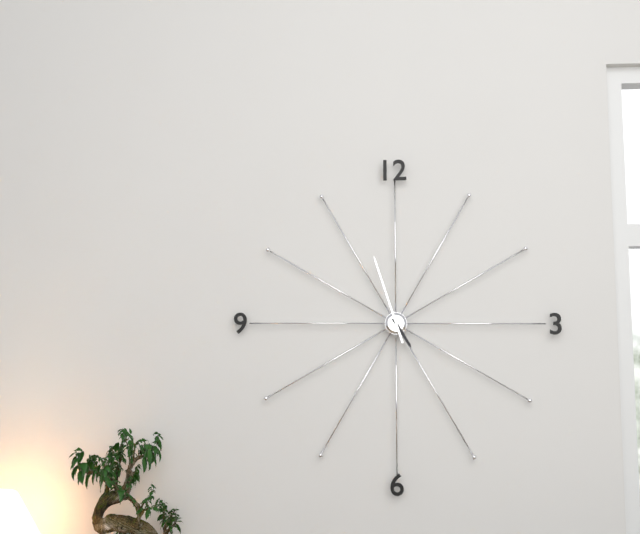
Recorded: 4h57
